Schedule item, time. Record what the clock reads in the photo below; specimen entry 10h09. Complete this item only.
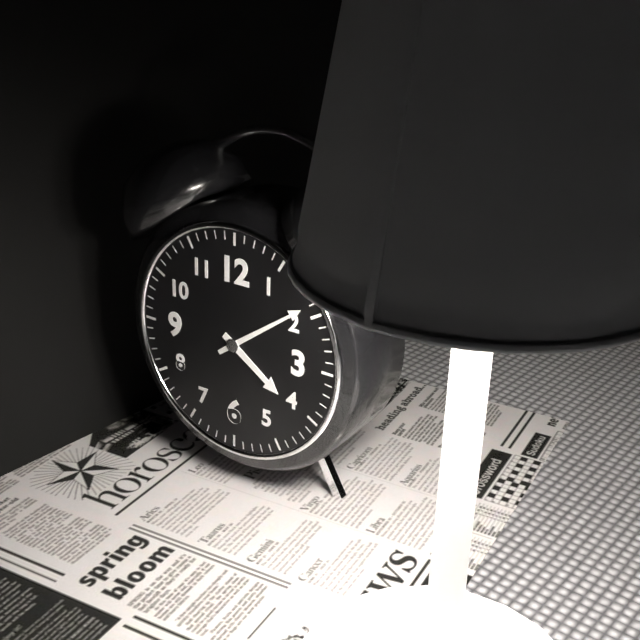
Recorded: 4h09
